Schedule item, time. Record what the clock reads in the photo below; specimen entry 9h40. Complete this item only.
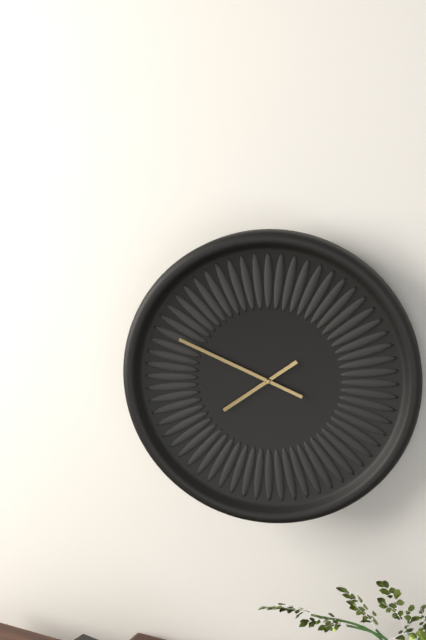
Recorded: 7h49
